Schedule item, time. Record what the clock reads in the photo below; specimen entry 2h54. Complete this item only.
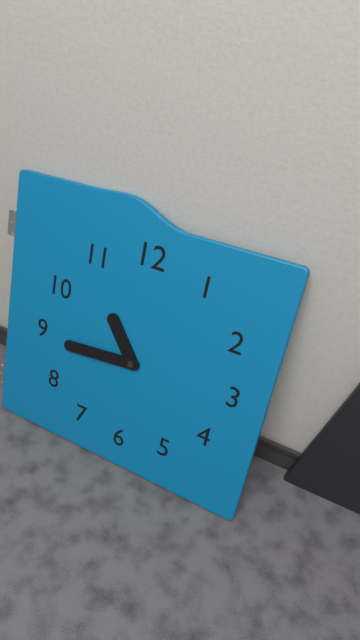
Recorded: 10h44
